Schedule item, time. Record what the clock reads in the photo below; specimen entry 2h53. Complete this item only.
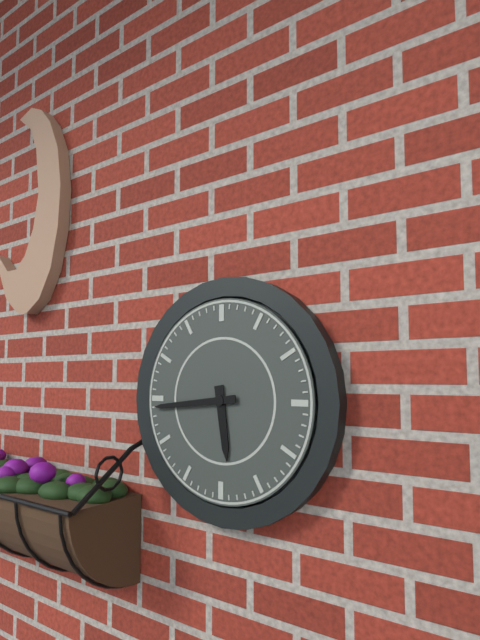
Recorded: 5h44
